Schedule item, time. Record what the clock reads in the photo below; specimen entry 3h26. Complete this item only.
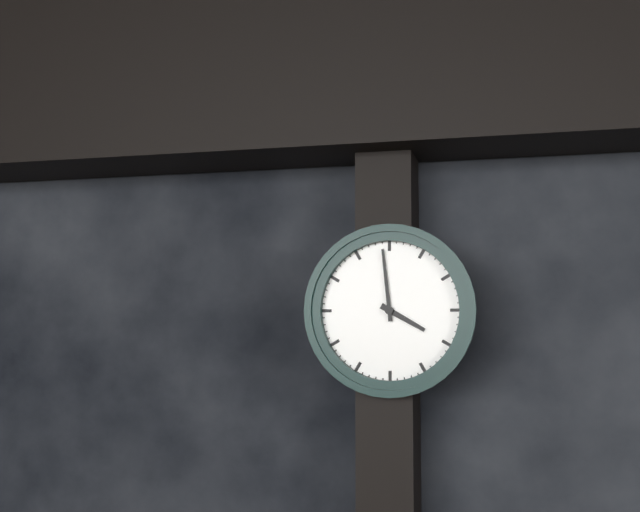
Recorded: 3h59
